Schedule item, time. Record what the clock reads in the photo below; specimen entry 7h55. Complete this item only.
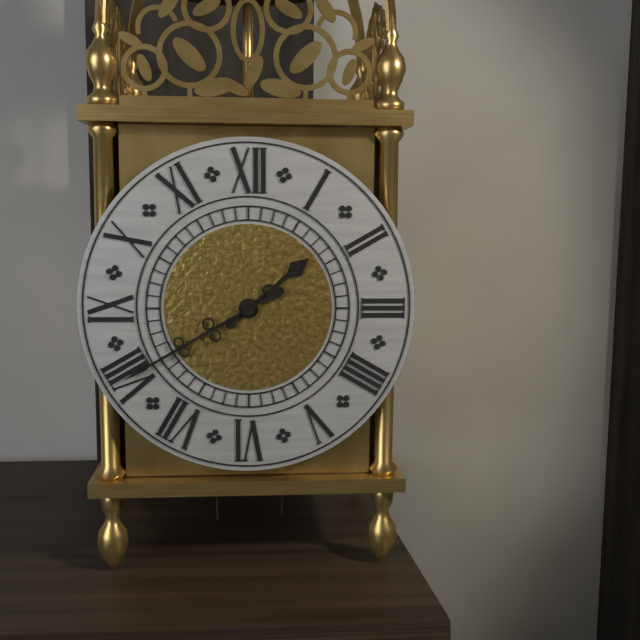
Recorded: 1h40
